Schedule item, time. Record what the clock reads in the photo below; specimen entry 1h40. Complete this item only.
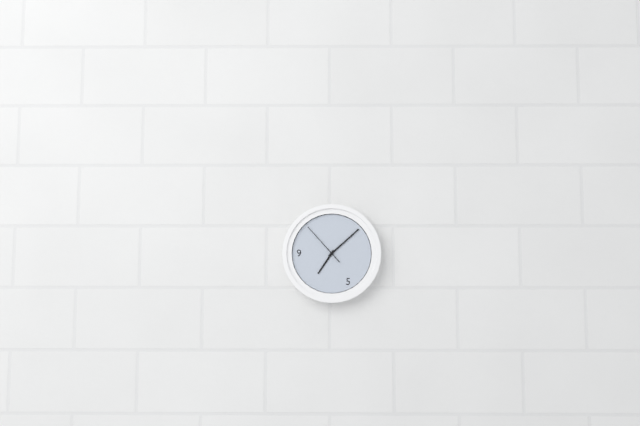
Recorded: 7h08
